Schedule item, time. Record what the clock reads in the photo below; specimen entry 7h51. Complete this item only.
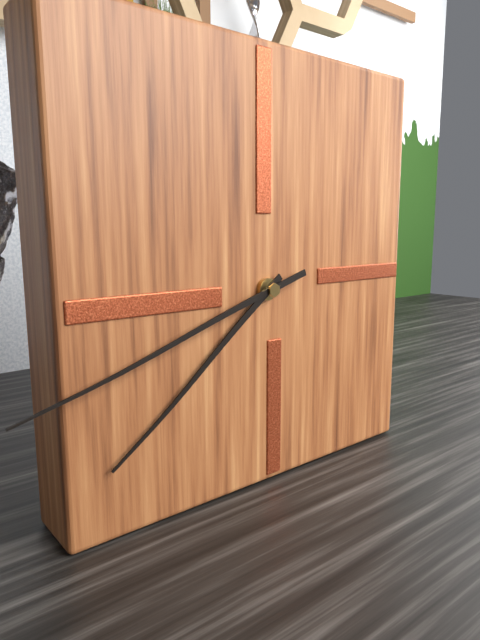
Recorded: 7h42
